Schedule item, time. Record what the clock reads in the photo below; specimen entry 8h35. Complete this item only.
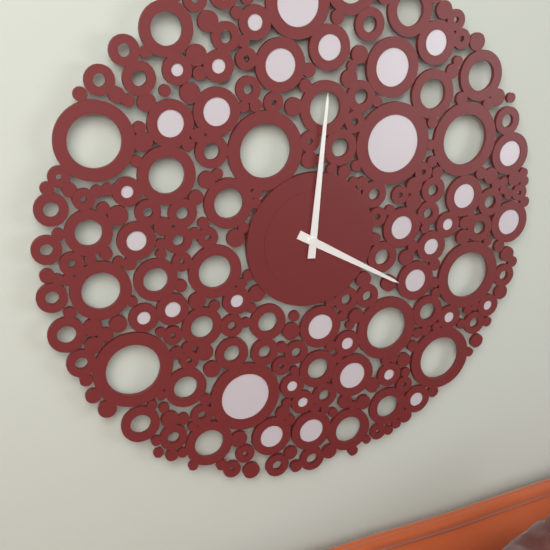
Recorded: 4h01
